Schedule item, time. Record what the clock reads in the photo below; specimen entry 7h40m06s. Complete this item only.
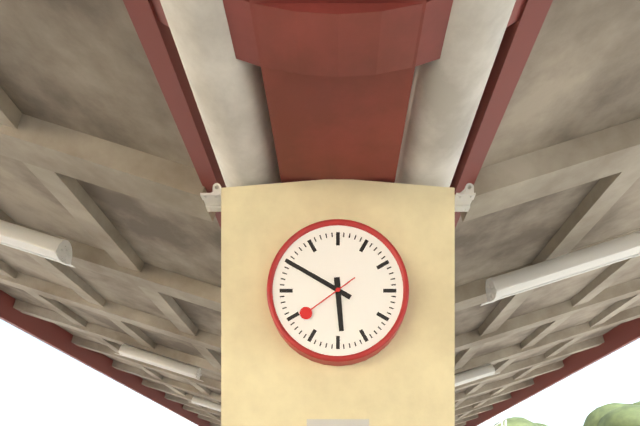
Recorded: 5h50m39s
